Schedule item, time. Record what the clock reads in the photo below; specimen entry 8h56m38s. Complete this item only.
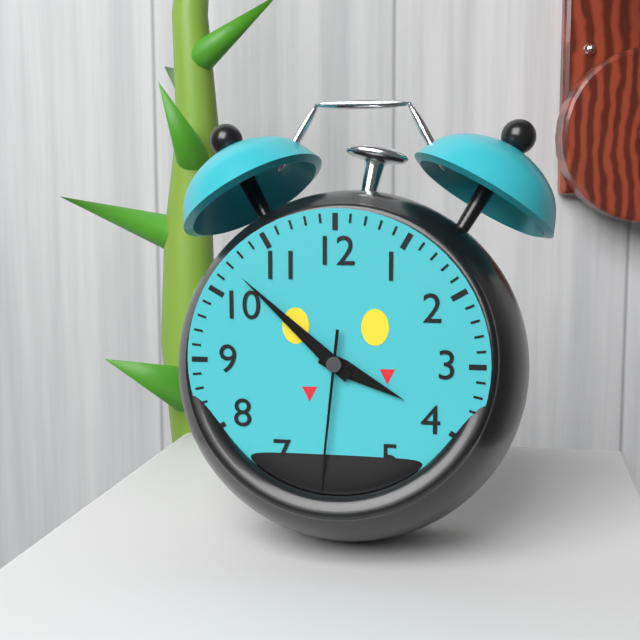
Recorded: 3h52m31s
